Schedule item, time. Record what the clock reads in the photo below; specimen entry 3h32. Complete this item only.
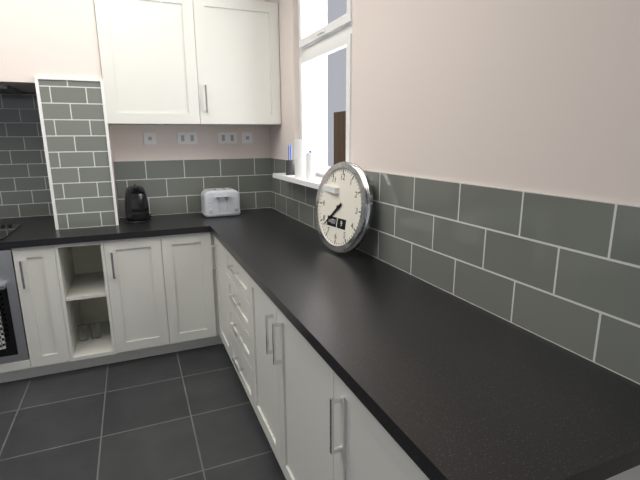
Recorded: 7h38
